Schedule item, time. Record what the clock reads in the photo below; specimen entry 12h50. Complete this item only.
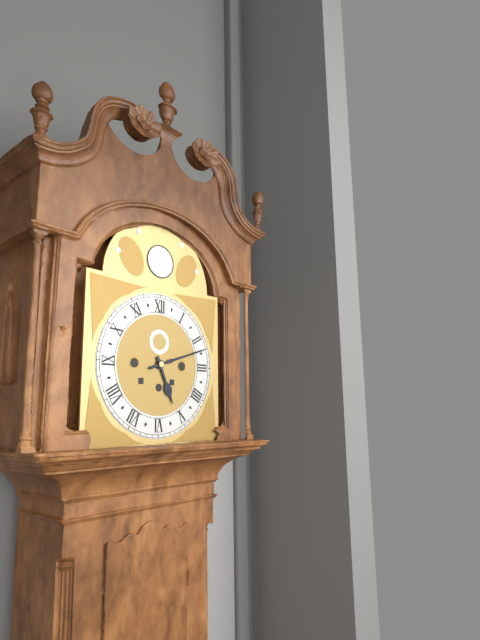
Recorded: 5h12
